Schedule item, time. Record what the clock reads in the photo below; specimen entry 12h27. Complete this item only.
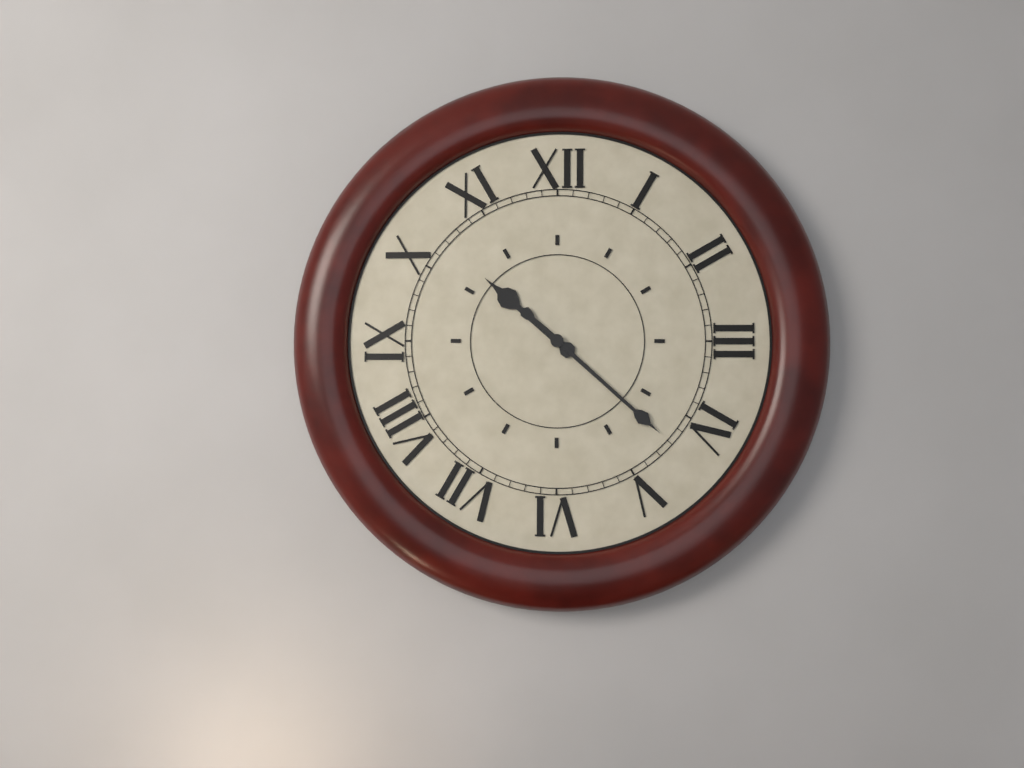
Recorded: 10h22
